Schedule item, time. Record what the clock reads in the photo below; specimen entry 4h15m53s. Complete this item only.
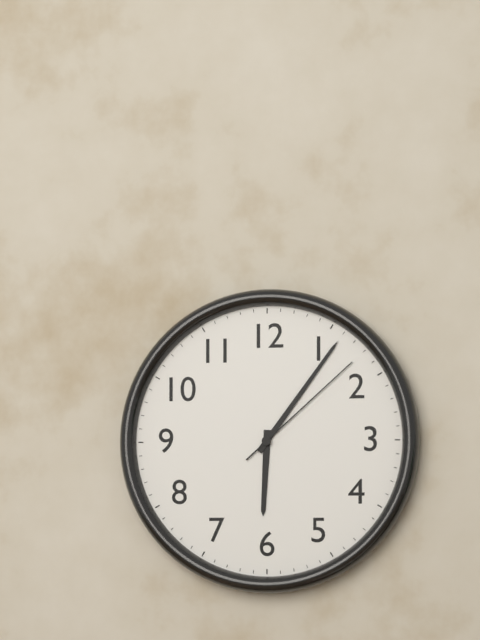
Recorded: 6h06m08s
